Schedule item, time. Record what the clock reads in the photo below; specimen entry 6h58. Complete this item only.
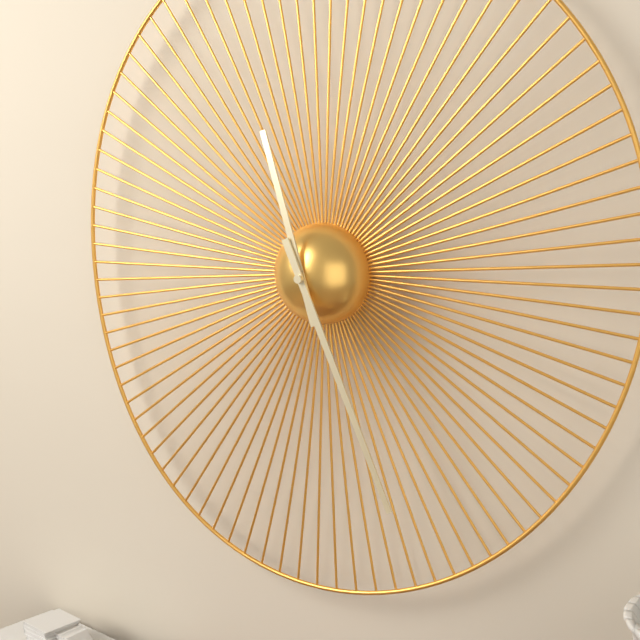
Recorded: 11h26
